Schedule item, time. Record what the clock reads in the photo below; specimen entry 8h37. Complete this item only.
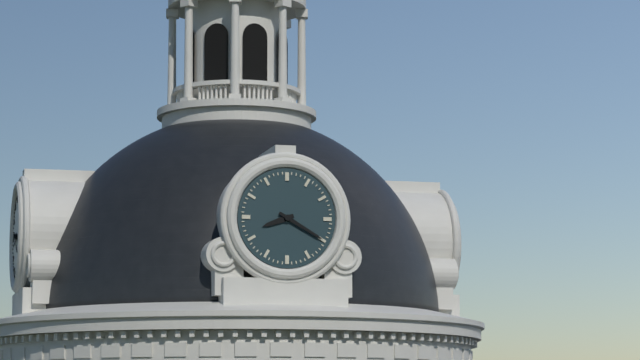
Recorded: 8h20
